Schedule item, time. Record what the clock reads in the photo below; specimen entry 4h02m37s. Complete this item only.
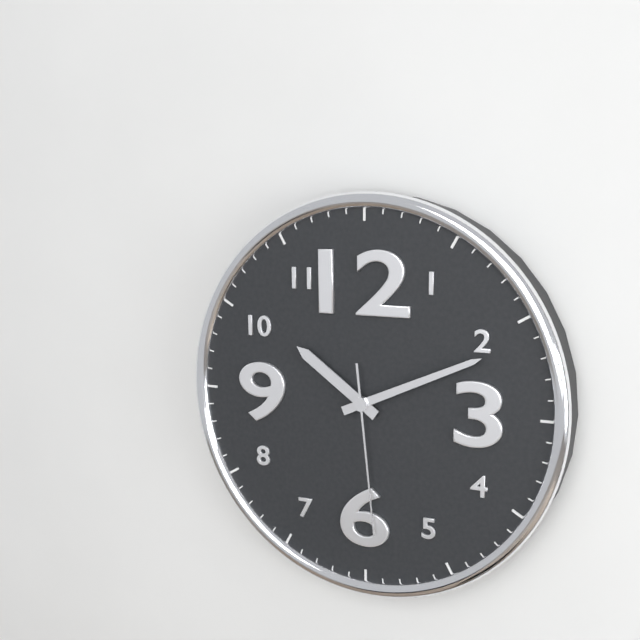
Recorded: 10h11m29s
